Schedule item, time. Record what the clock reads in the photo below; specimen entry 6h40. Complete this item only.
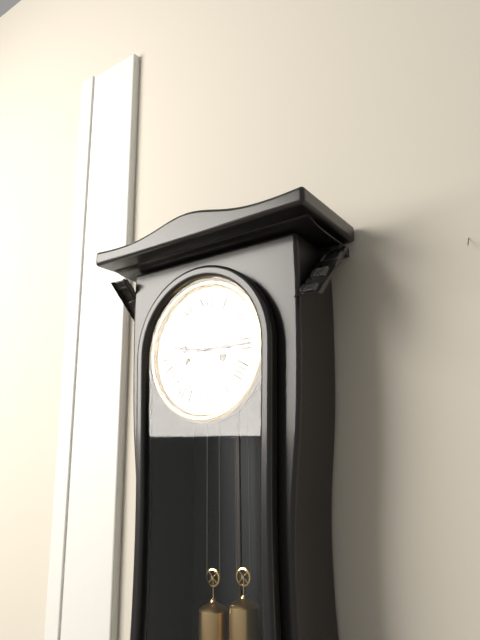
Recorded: 9h15
